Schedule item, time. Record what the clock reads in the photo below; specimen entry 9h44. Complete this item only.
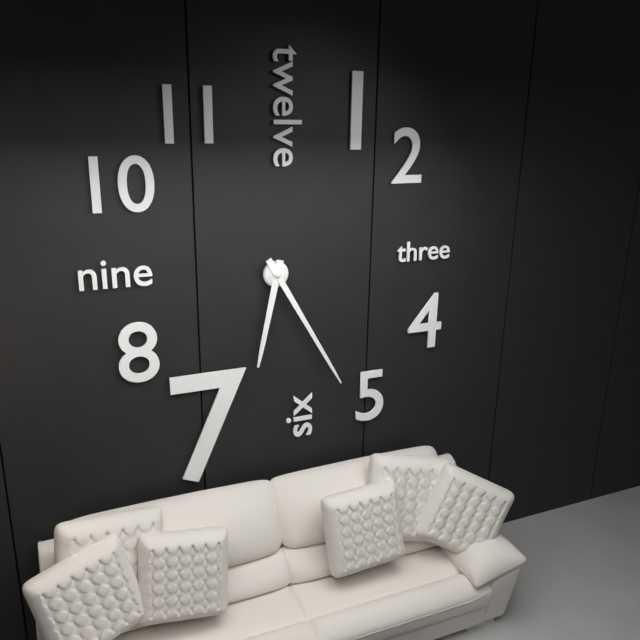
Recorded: 6h25
